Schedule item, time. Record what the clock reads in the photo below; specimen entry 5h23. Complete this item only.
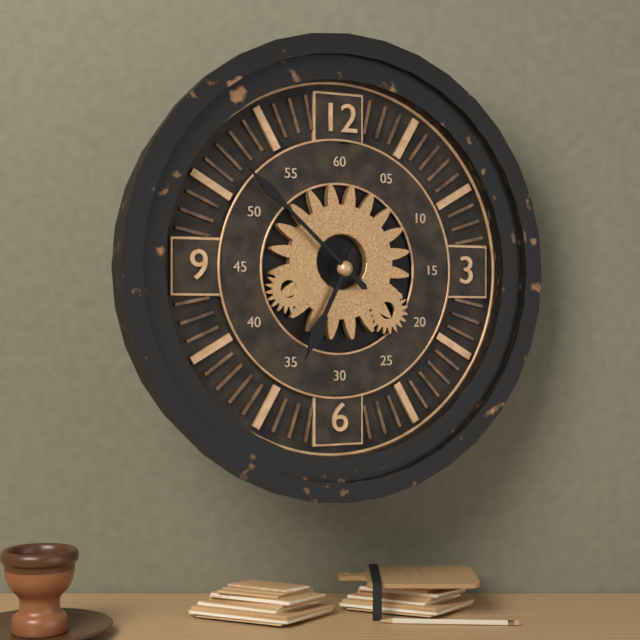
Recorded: 6h52
